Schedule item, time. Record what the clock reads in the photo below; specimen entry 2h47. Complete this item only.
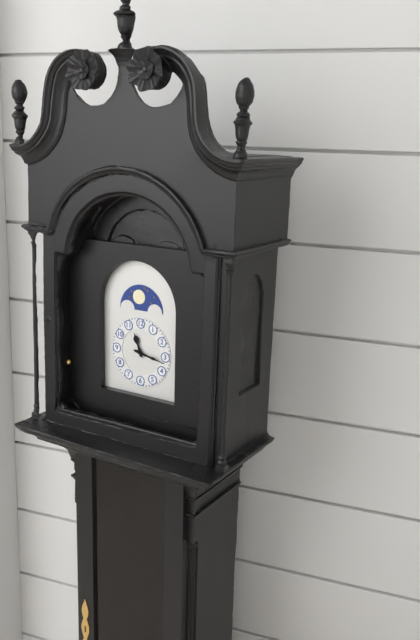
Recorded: 11h17
